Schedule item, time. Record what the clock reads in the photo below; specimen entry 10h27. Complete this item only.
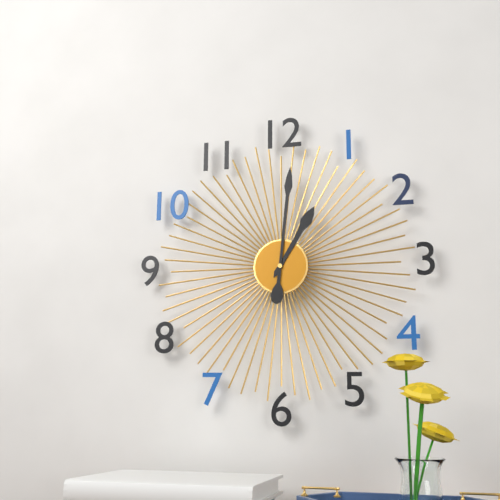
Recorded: 1h01
